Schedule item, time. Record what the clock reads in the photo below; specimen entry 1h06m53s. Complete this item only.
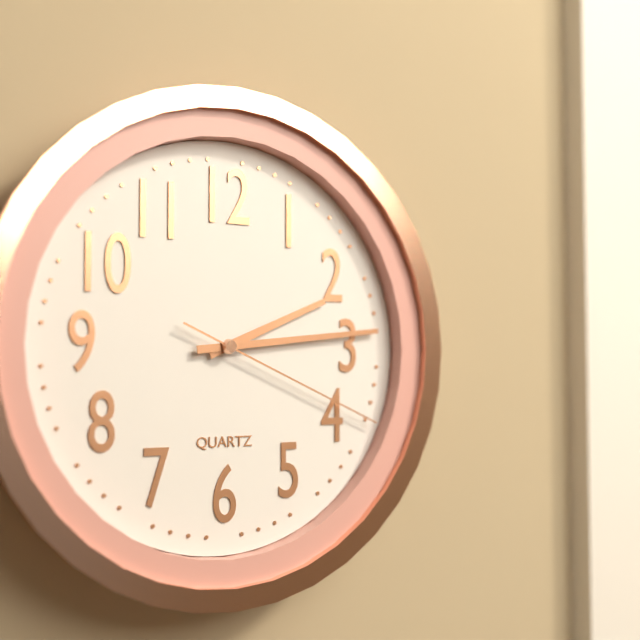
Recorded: 2h14m19s
